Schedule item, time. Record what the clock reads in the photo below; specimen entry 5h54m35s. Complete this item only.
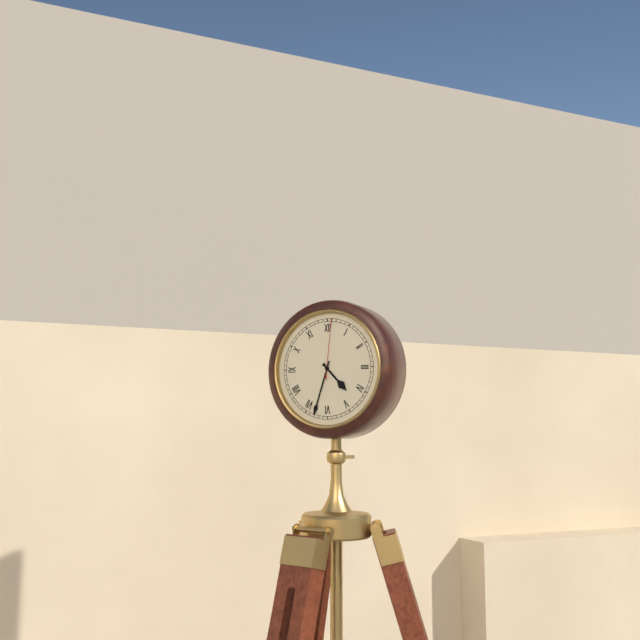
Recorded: 4h33m01s
